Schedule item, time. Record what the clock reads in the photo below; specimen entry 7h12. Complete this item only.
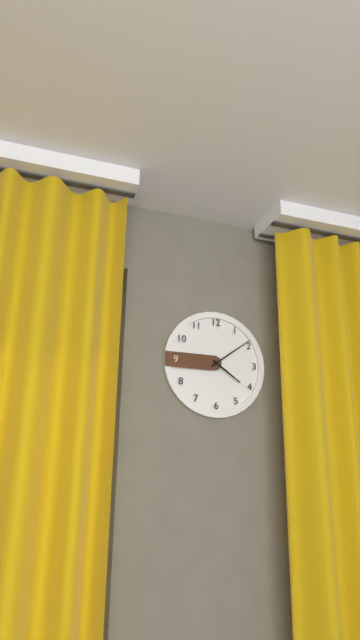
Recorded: 4h09
